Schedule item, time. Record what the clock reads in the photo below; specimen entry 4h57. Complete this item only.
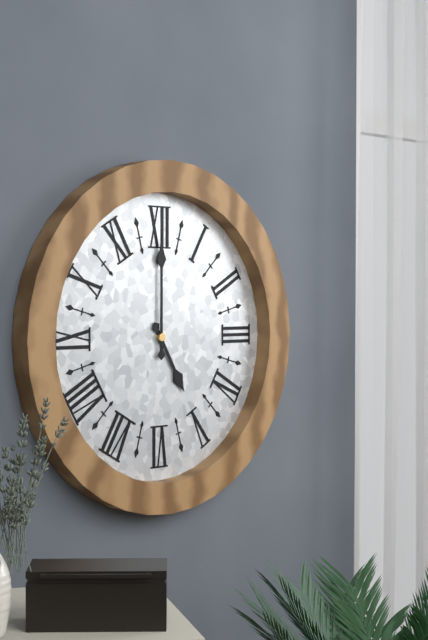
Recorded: 5h00
